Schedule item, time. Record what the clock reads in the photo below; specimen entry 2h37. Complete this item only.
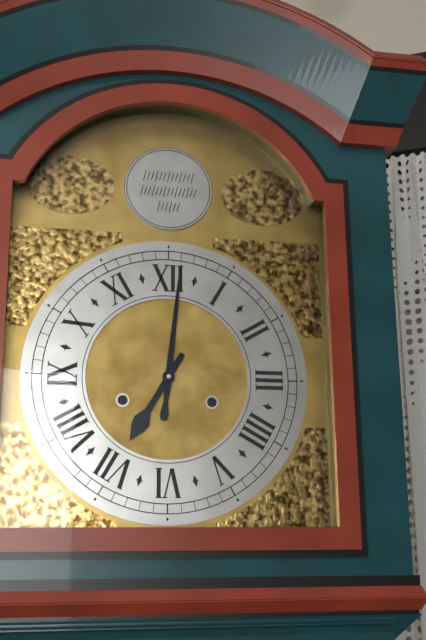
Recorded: 7h01
